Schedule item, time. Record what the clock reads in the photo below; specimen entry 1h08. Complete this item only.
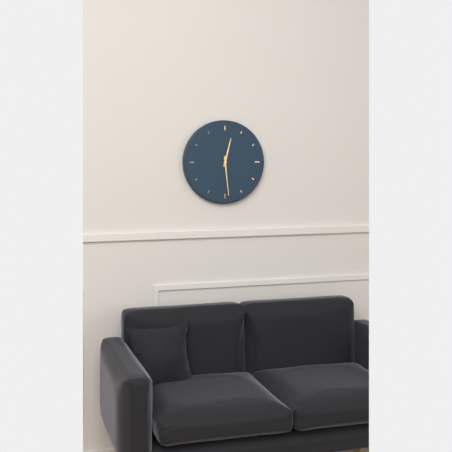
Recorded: 12h29
